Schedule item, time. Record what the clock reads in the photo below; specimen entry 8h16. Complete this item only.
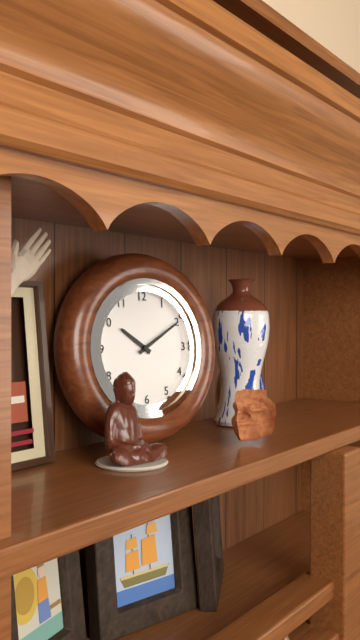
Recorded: 10h10
